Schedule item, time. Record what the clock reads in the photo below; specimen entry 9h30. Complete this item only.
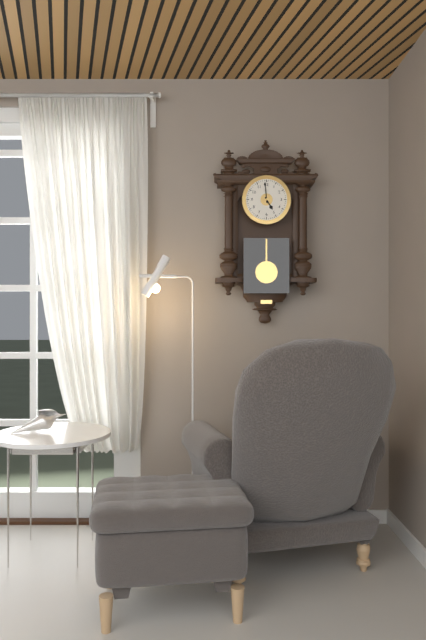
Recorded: 4h59
